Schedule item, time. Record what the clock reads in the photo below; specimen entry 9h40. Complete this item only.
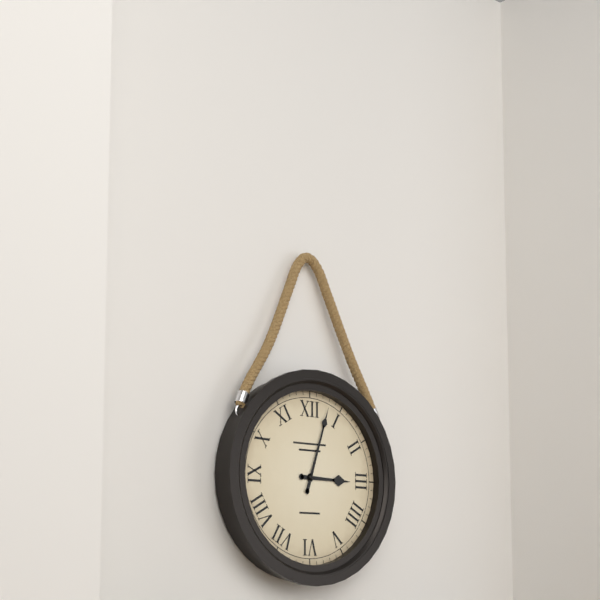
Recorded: 3h03
